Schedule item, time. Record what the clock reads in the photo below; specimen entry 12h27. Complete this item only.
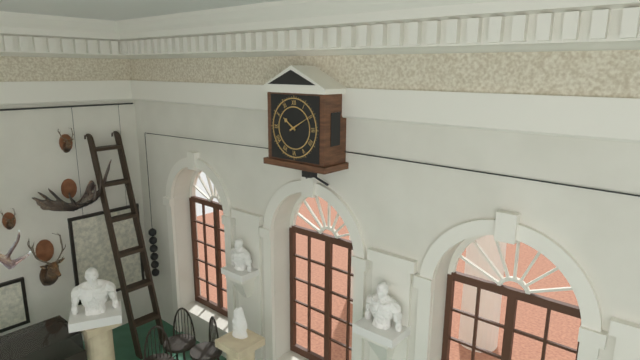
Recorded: 10h10
